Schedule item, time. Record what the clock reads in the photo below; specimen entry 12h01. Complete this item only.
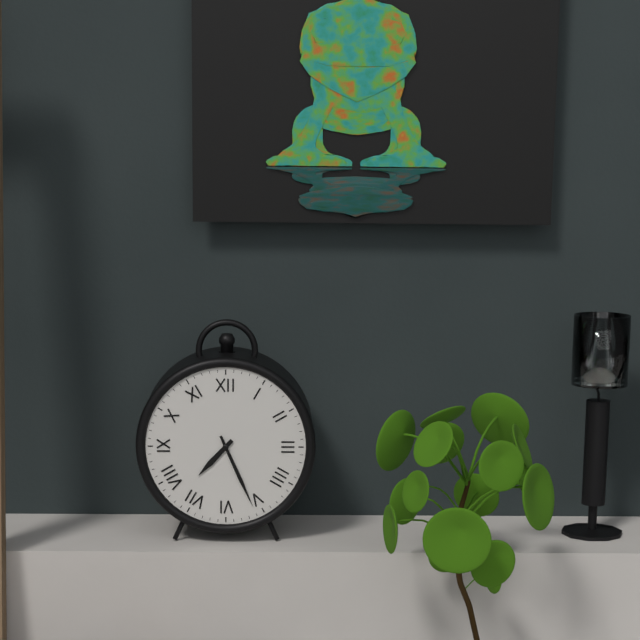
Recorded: 7h26
